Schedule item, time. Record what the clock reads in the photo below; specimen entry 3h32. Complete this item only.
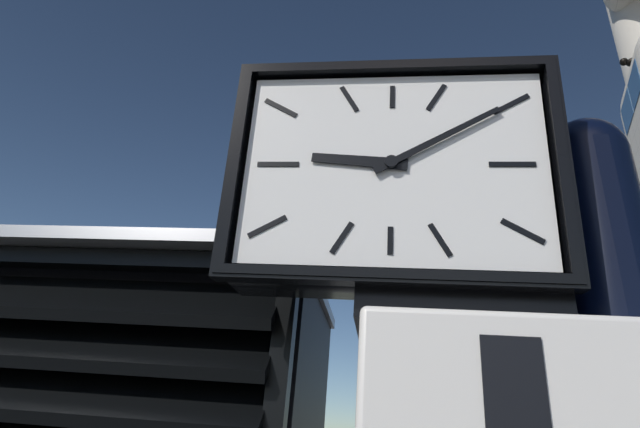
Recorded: 9h10
